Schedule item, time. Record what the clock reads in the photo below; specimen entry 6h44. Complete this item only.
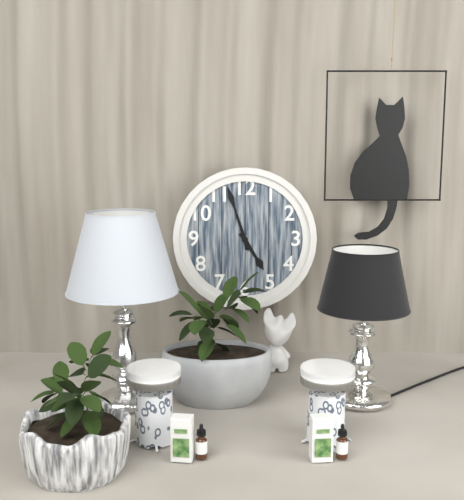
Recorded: 4h57
